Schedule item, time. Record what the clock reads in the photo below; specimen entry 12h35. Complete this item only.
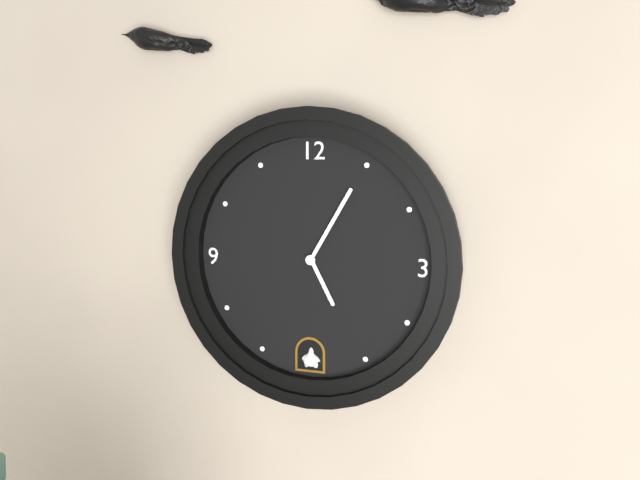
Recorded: 5h05
